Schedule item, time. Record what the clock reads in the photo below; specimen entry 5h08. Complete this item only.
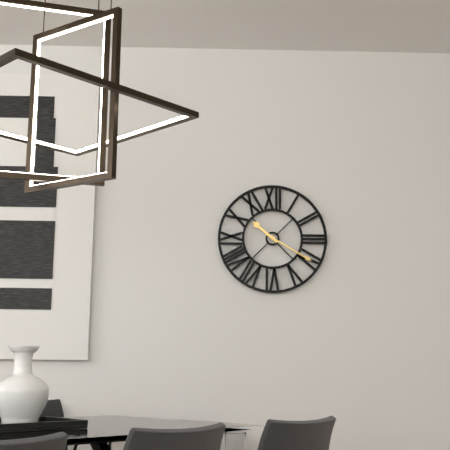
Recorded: 10h20
